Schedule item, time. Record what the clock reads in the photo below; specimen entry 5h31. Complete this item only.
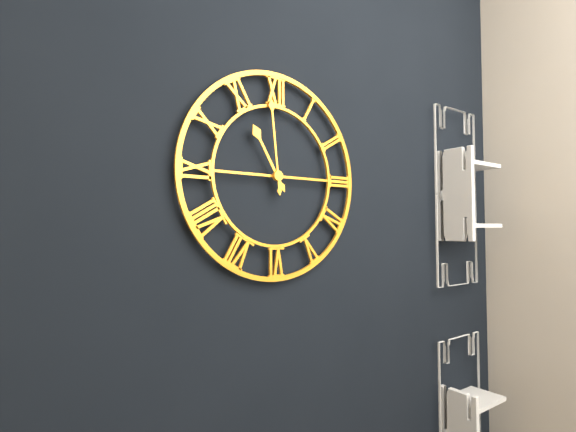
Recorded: 10h59
